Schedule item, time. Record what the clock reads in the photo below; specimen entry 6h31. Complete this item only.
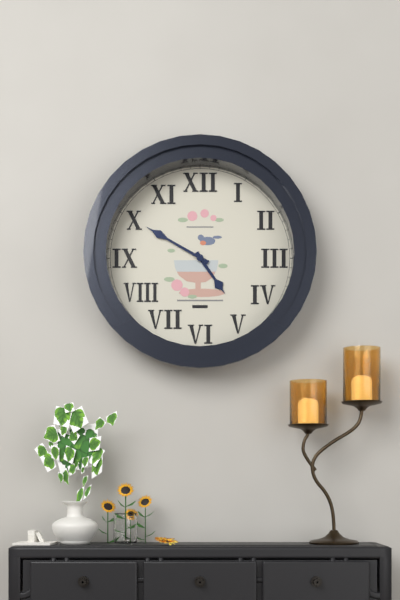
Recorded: 4h50
